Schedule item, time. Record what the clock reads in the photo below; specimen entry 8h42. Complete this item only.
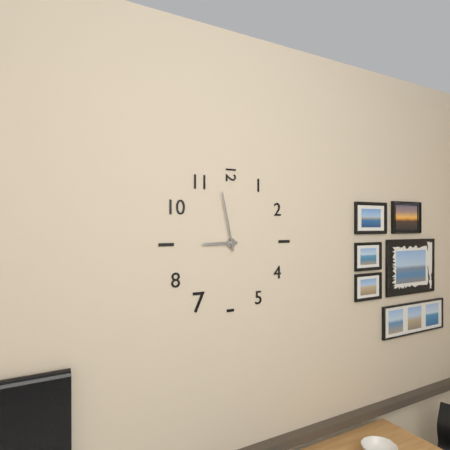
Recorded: 8h58
